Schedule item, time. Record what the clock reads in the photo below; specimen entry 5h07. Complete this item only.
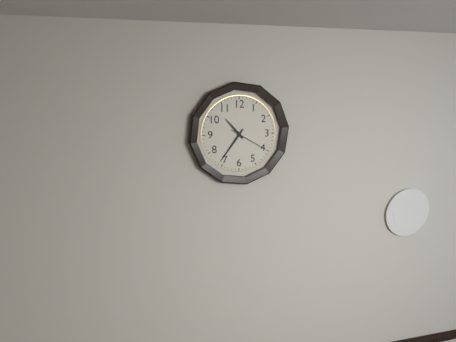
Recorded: 10h36
